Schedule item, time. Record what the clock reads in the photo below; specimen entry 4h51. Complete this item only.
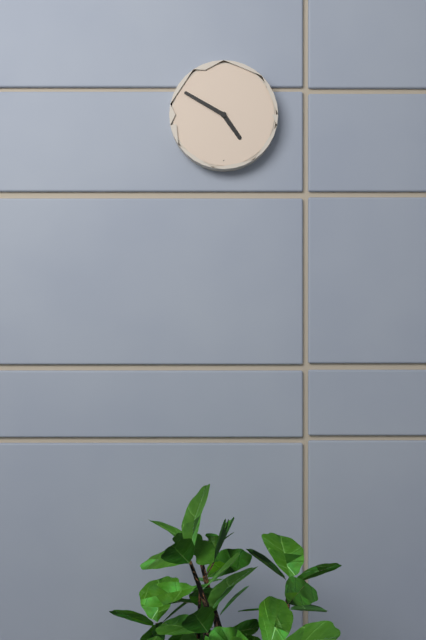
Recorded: 4h50
